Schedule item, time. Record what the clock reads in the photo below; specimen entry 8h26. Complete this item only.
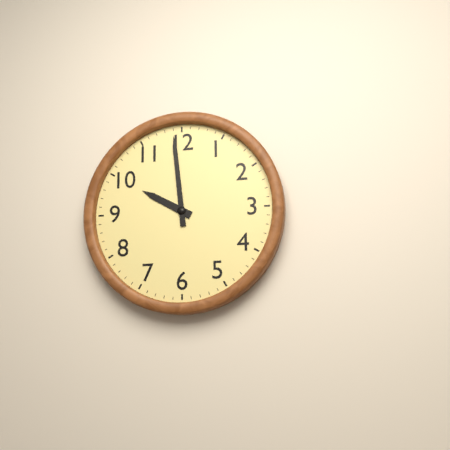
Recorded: 9h59
